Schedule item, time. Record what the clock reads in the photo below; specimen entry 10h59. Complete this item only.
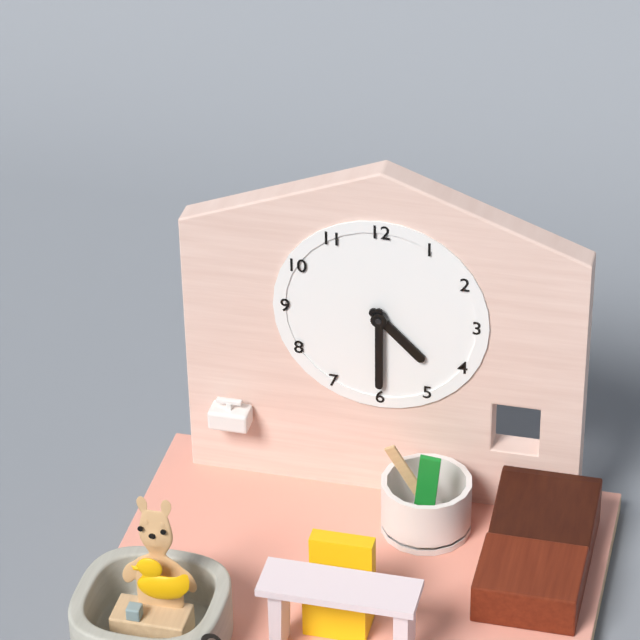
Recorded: 4h30
